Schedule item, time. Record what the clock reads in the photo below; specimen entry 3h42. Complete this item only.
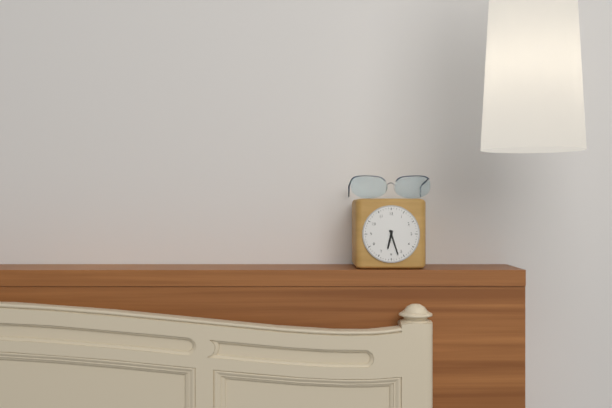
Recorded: 6h27
